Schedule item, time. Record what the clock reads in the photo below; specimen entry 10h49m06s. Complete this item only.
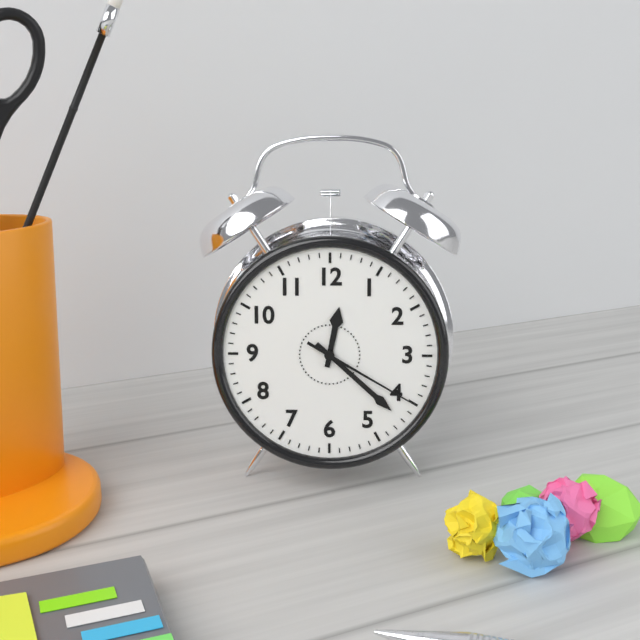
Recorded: 12h22m20s
